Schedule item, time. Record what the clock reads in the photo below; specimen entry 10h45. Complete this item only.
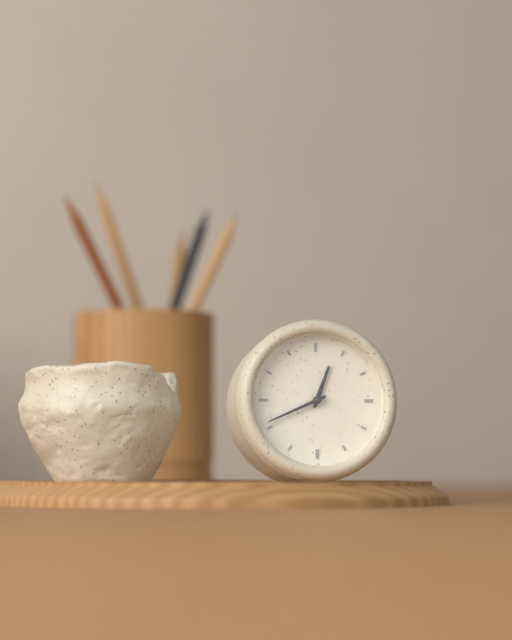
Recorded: 12h41
